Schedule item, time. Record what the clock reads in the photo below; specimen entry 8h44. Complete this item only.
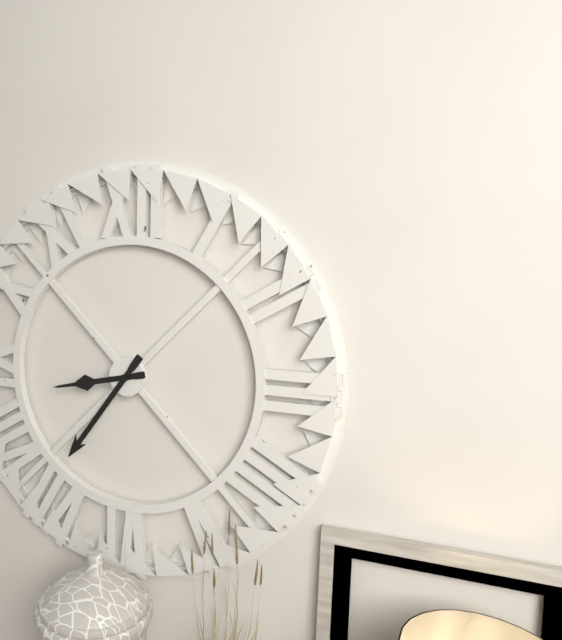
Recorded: 8h36
